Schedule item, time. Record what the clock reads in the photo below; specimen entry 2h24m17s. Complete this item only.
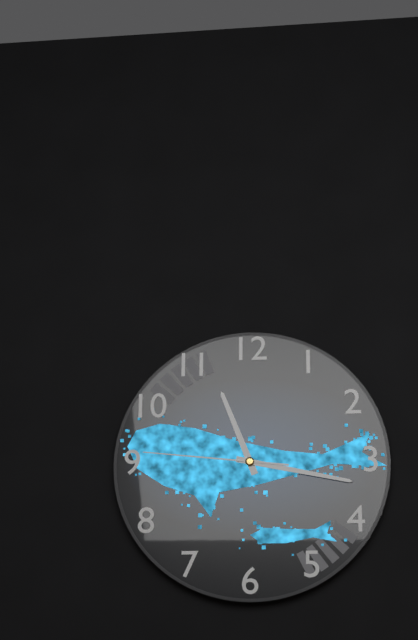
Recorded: 11h17m46s
